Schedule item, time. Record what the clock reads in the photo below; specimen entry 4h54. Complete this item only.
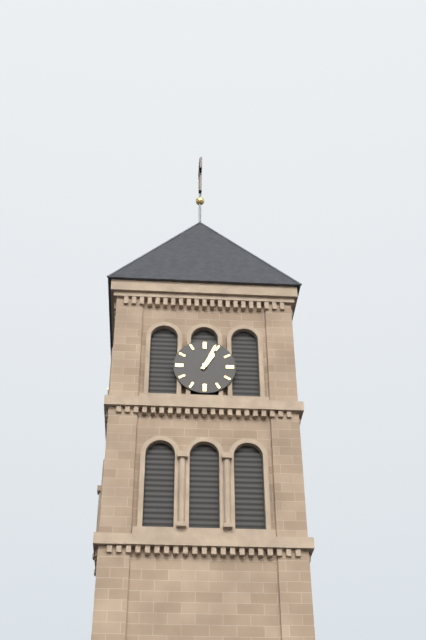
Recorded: 1h04
